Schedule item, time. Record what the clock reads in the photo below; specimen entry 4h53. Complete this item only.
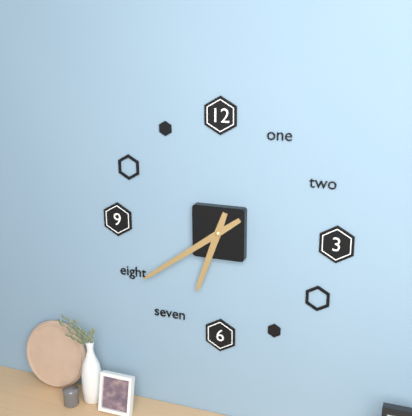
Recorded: 6h39
